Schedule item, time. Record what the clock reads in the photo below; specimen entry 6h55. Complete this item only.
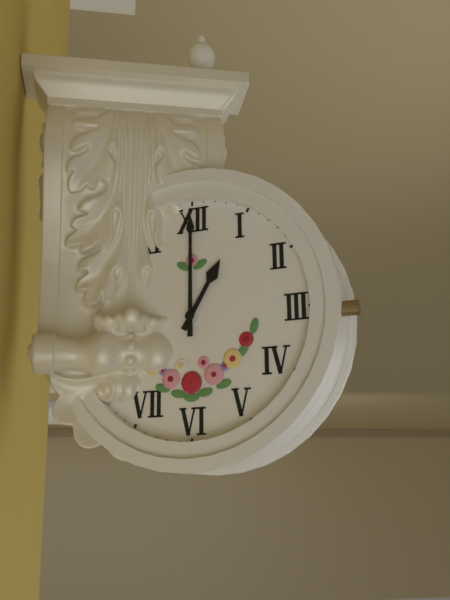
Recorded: 1h00
